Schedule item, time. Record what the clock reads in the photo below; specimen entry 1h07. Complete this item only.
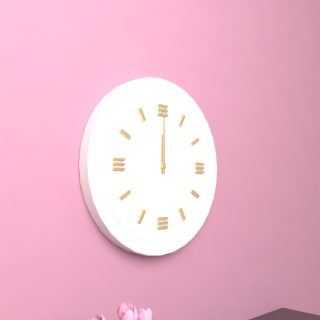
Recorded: 12h00
